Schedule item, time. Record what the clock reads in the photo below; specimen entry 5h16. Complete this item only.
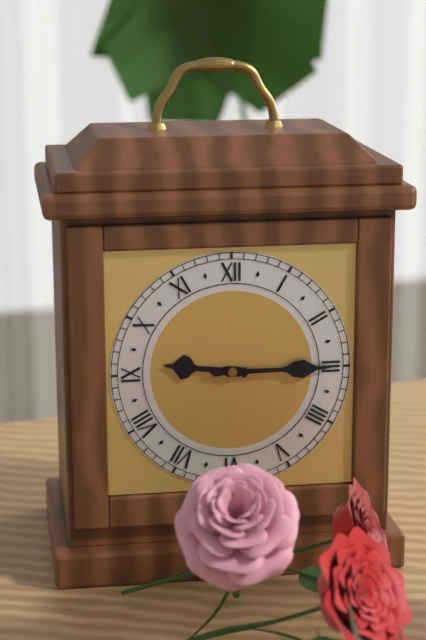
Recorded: 9h15
